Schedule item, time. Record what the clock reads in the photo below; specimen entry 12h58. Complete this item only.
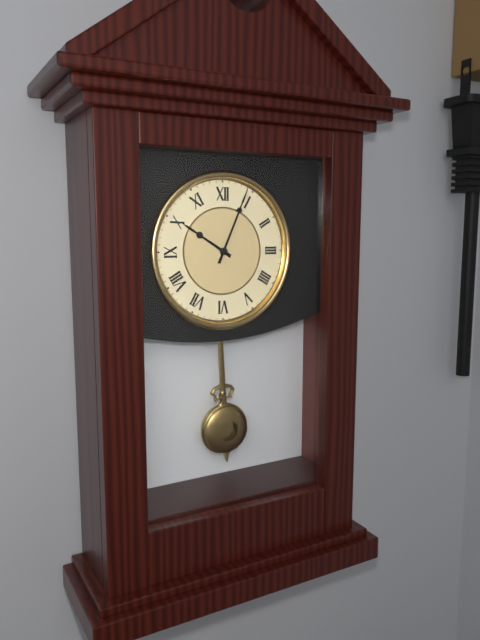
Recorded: 10h04
